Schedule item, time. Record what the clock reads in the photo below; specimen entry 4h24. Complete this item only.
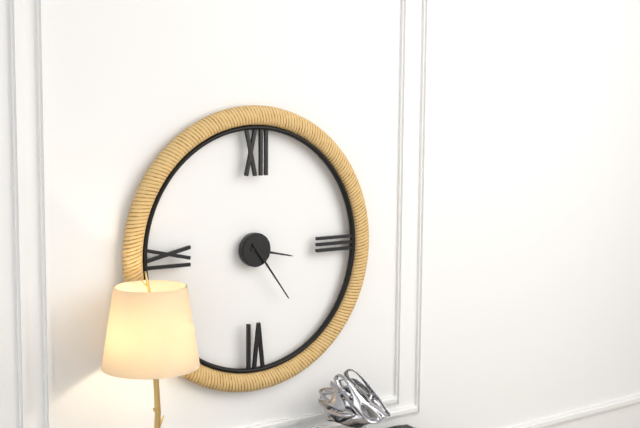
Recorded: 3h24
